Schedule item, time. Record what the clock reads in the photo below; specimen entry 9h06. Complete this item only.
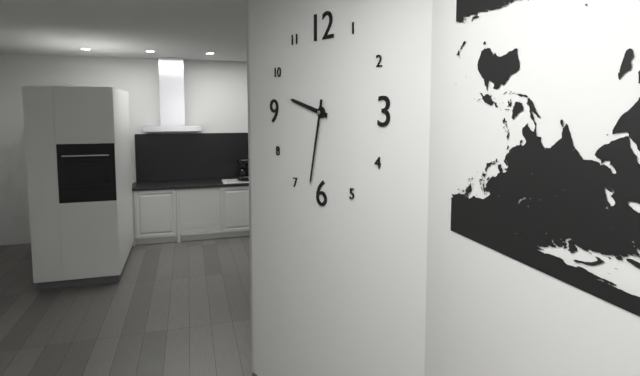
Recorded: 9h32
